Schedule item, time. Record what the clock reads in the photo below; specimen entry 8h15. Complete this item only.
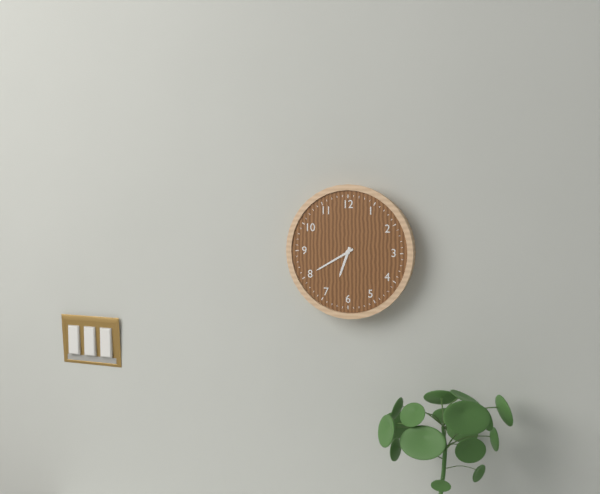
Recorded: 6h40
